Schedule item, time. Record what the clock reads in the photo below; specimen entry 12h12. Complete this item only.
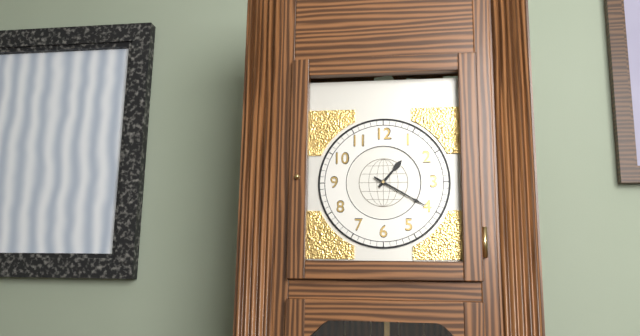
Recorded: 1h20
